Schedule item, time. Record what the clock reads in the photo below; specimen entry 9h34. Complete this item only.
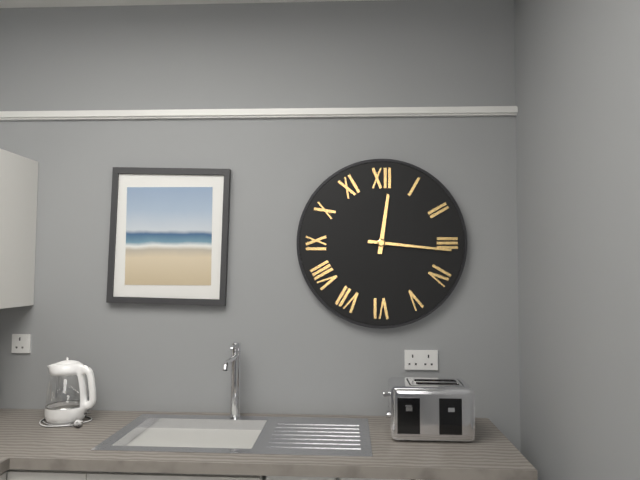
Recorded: 12h16
